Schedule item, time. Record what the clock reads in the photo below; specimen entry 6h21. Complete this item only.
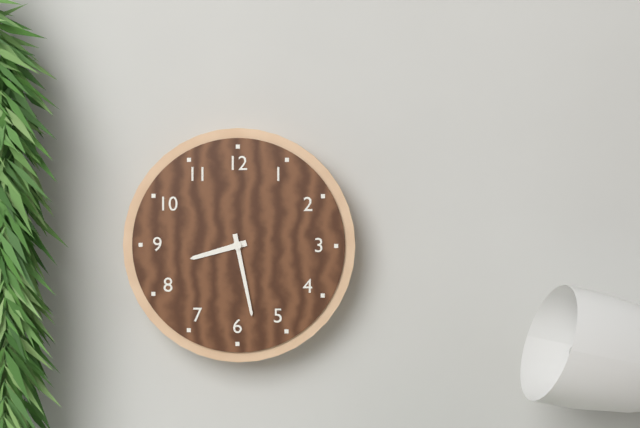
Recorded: 8h28
